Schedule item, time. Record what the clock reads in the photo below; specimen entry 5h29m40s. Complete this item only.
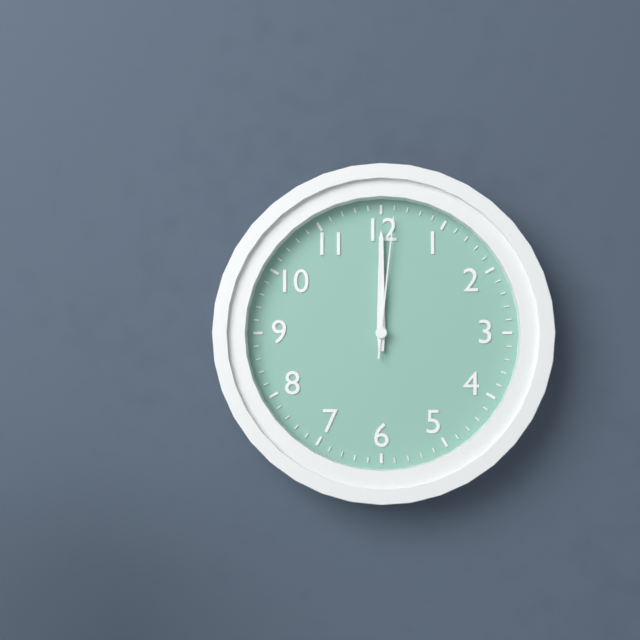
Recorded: 12h00m01s
